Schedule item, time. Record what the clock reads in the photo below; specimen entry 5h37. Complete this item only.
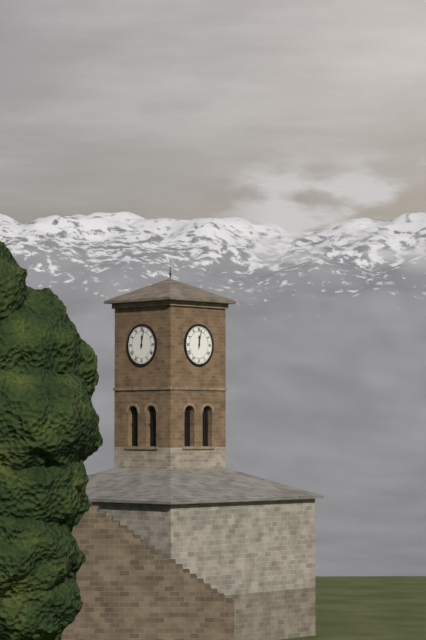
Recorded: 12h02
